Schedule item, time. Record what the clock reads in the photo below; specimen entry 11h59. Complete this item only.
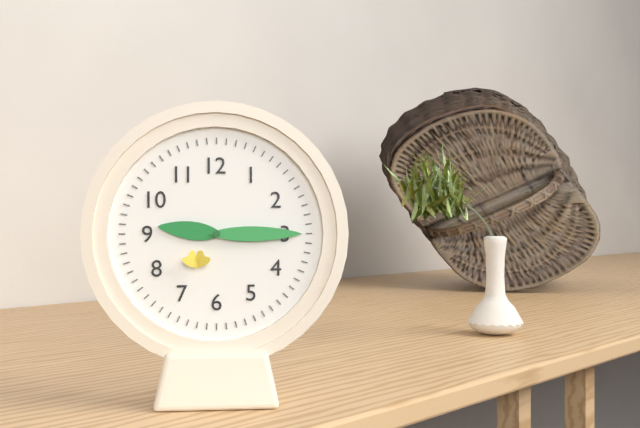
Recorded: 9h15
